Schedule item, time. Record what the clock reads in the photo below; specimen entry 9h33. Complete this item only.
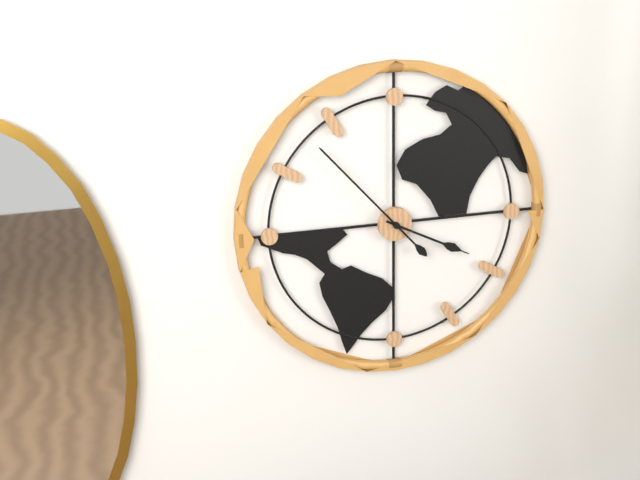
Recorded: 3h53
